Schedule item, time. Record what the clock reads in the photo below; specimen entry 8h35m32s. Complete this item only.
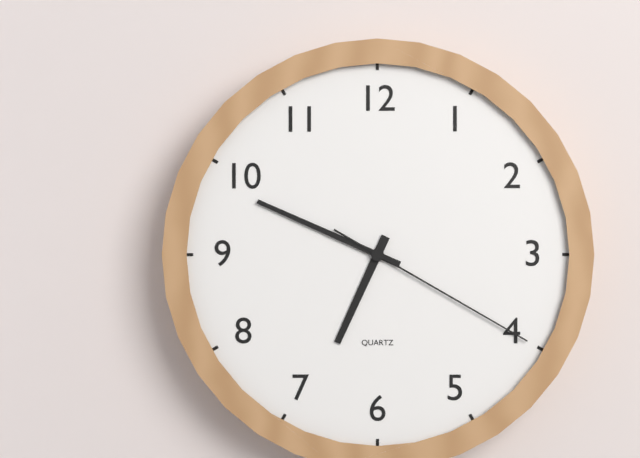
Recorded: 6h49m20s
